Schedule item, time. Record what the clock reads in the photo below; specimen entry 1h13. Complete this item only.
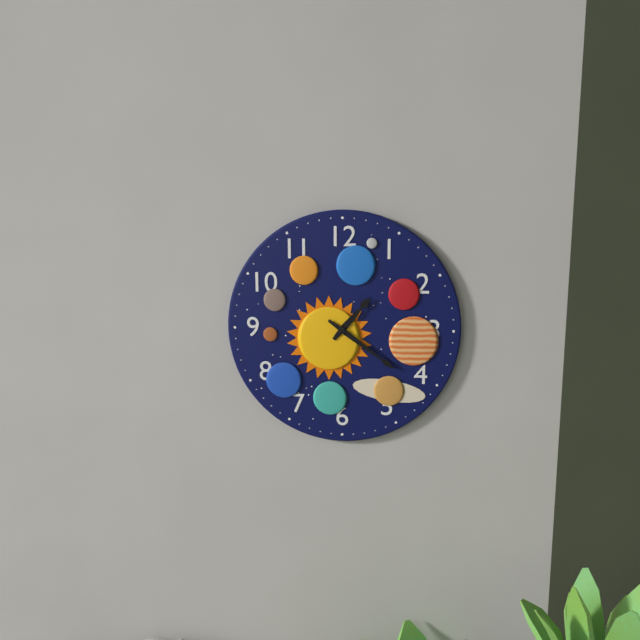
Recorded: 1h21
